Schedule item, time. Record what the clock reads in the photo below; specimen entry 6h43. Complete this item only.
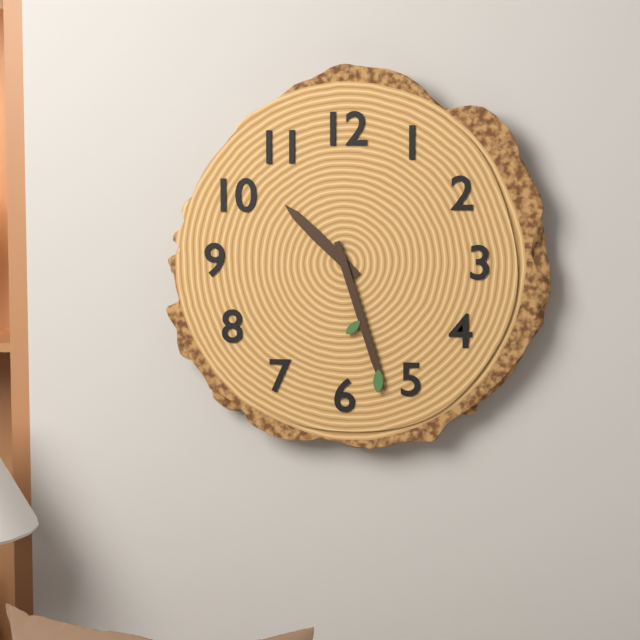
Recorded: 10h27
